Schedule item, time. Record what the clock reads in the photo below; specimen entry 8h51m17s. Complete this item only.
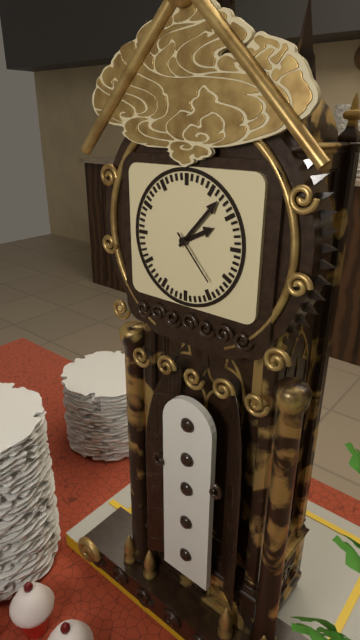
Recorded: 2h07m23s
